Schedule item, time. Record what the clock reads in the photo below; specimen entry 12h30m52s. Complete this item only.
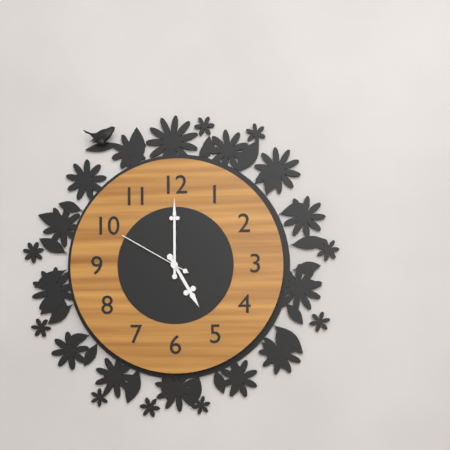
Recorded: 5h00m50s
